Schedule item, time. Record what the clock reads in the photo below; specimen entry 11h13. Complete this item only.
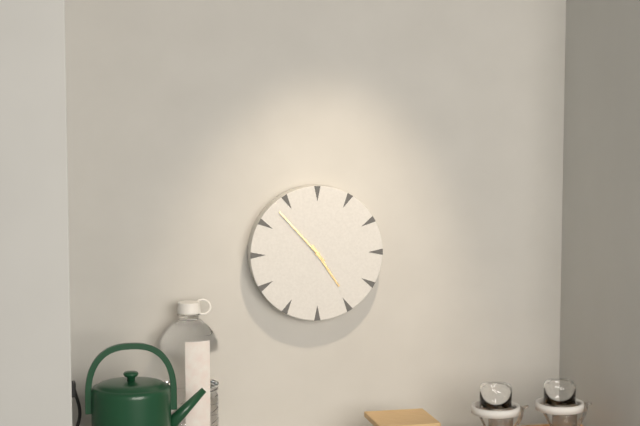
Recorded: 4h53
